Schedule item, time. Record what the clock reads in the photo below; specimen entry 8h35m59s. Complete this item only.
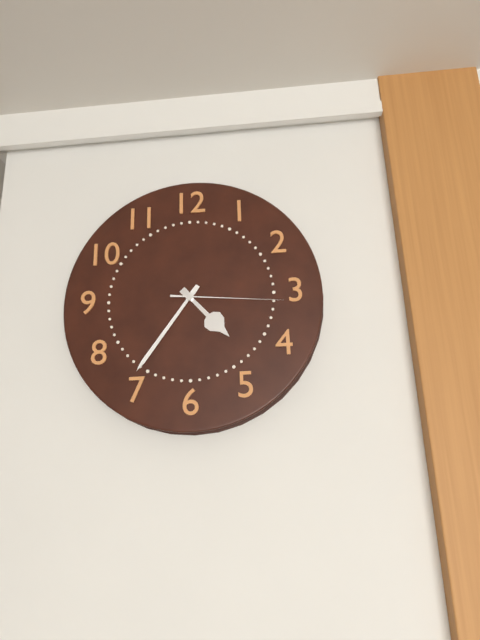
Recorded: 4h36m16s
